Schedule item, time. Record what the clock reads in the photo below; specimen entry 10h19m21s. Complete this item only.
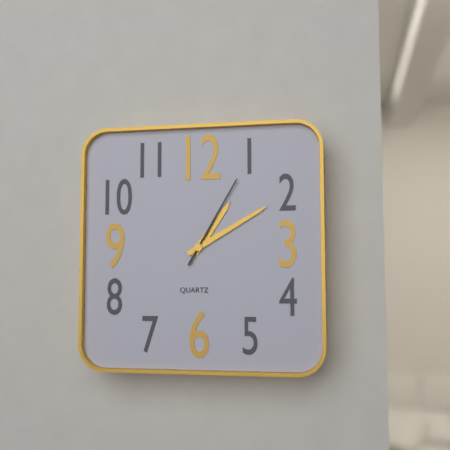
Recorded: 1h10m05s
